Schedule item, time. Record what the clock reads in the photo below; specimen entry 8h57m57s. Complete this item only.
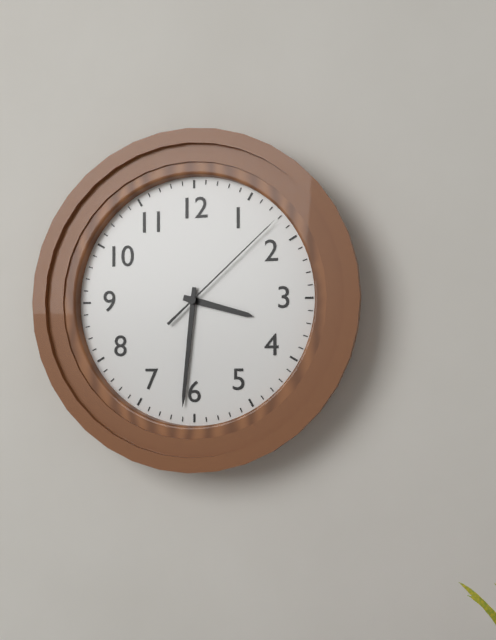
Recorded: 3h31m08s
